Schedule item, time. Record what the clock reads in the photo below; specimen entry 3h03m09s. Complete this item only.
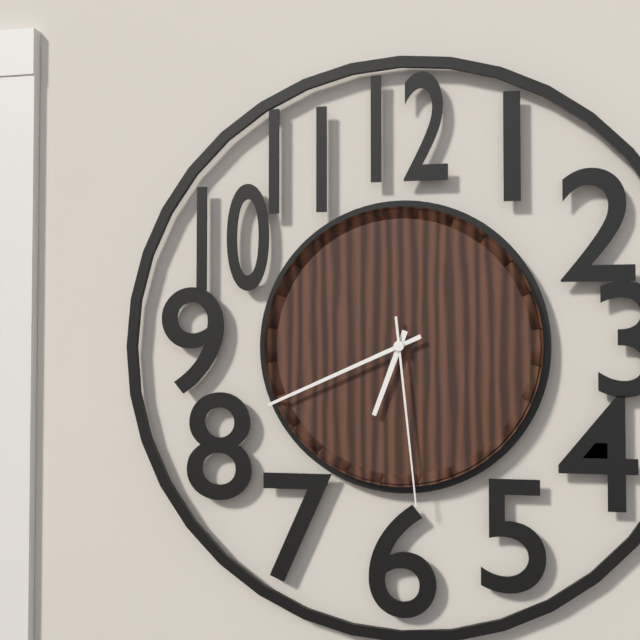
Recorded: 6h41m29s
